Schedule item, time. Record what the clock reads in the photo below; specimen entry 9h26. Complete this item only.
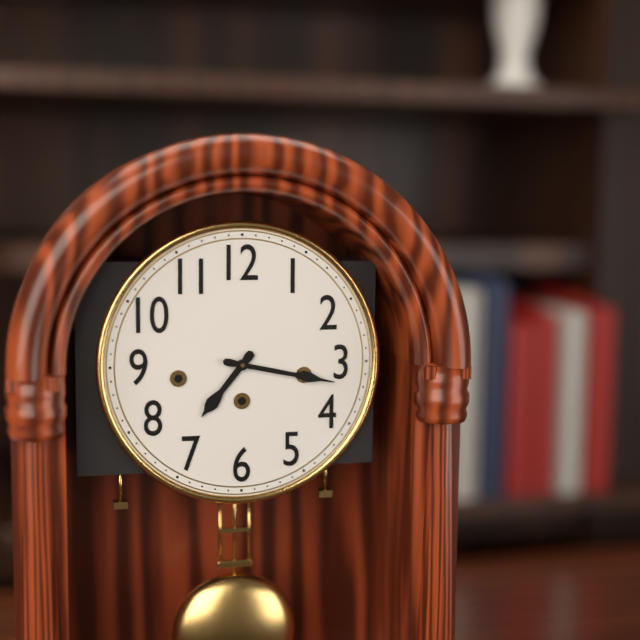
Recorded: 7h17
